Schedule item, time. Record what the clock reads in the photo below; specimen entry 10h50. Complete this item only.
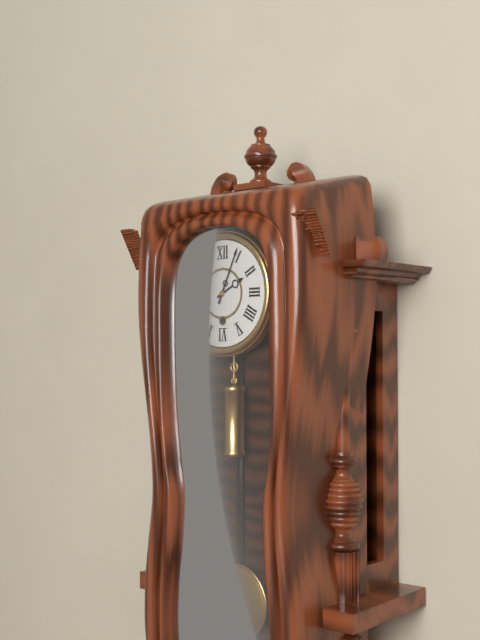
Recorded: 2h04
